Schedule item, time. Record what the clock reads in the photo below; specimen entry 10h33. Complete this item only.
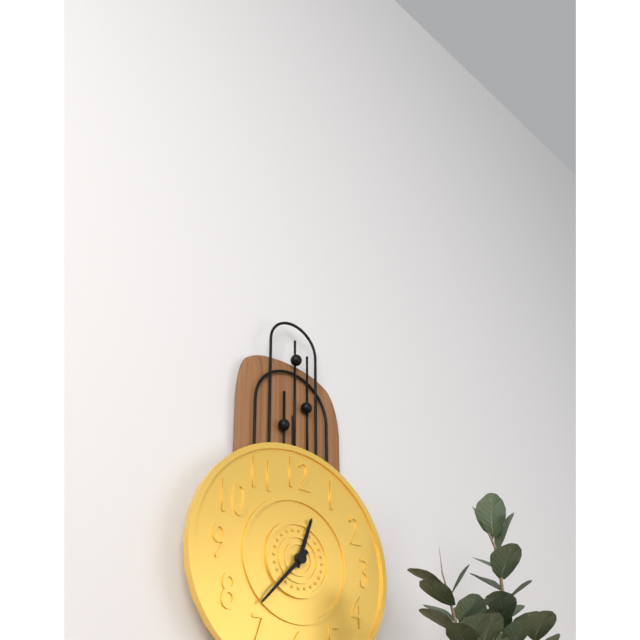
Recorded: 12h37
